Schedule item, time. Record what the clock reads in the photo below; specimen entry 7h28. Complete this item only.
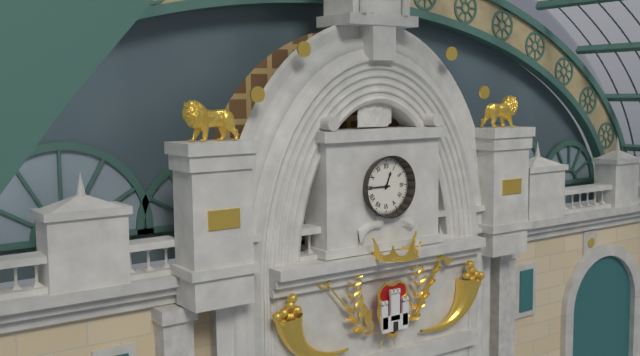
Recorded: 12h45
